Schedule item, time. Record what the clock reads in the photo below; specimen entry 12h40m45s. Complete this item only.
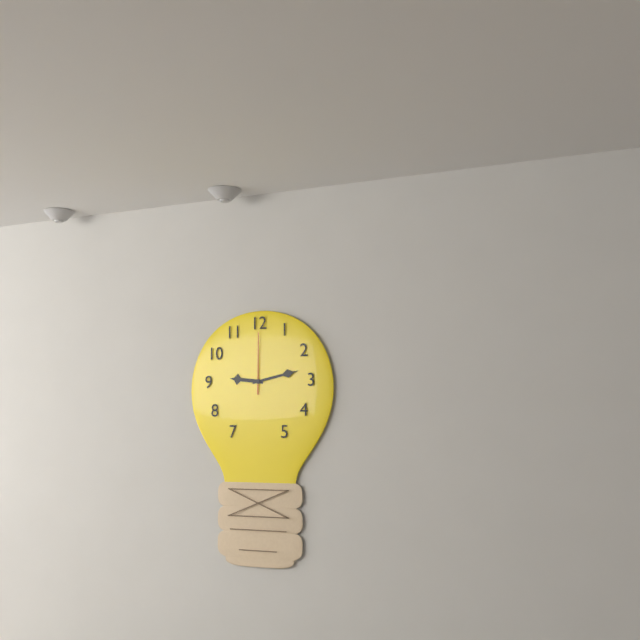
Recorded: 9h13m00s
